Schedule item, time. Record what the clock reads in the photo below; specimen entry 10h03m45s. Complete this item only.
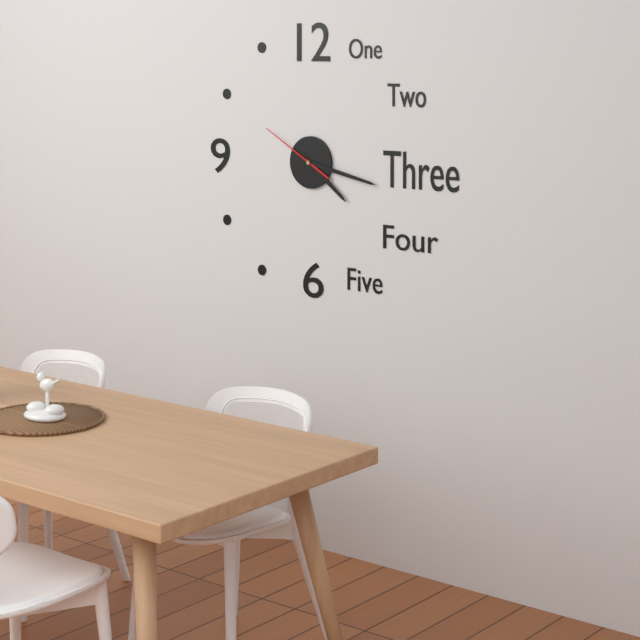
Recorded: 4h17m50s
